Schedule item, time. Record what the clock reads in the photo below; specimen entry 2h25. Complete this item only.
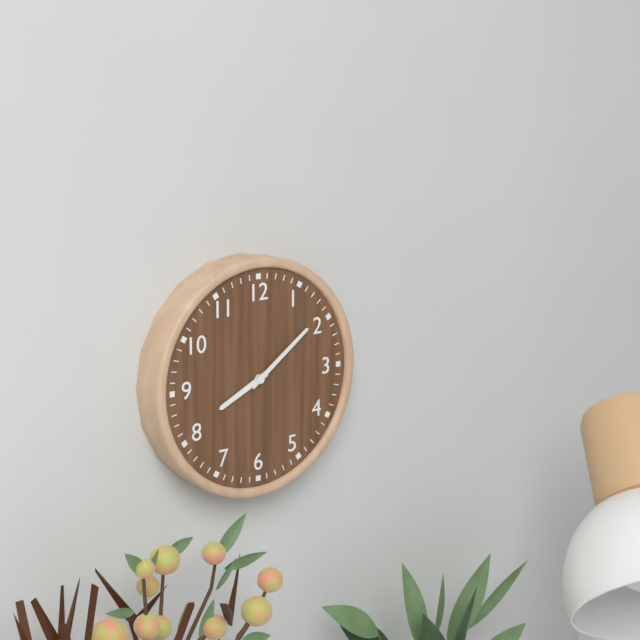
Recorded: 8h09
